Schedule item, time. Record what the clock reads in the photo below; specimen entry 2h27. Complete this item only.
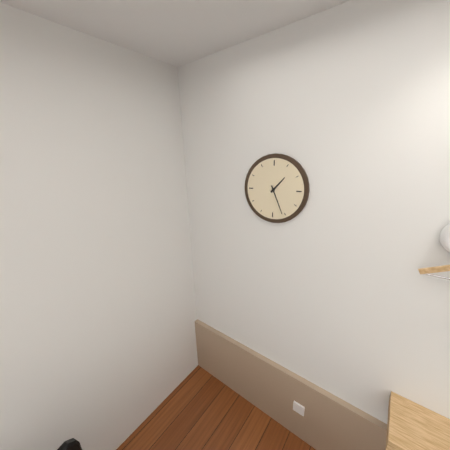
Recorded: 1h26
